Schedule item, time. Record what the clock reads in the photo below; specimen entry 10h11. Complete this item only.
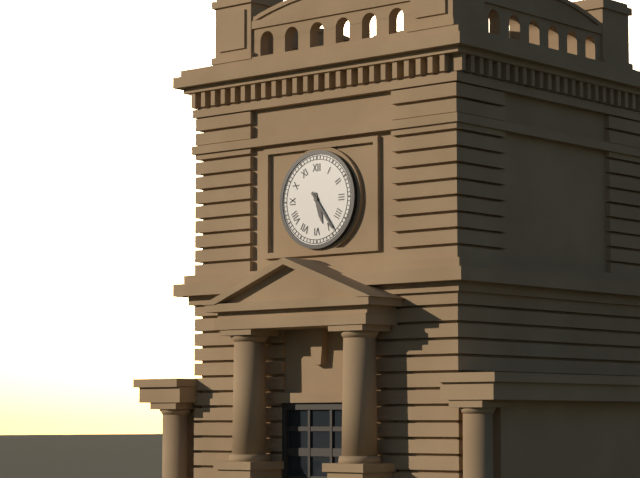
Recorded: 5h24
